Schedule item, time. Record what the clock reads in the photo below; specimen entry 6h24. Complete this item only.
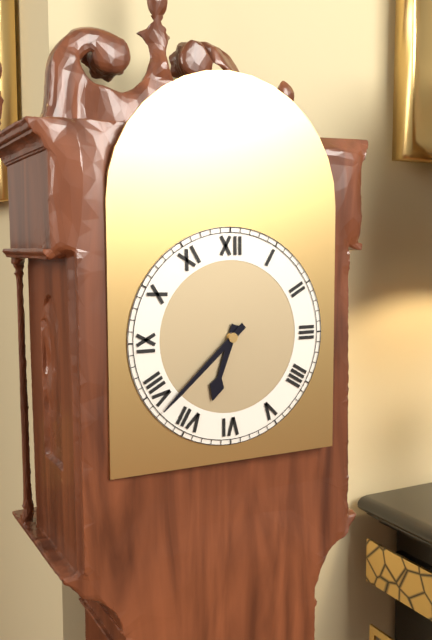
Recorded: 6h38
